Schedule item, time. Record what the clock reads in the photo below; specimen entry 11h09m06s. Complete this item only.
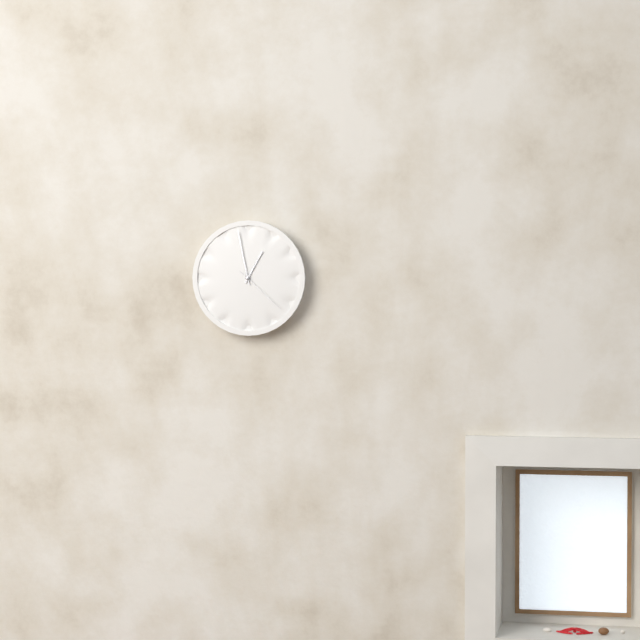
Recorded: 12h58m22s
